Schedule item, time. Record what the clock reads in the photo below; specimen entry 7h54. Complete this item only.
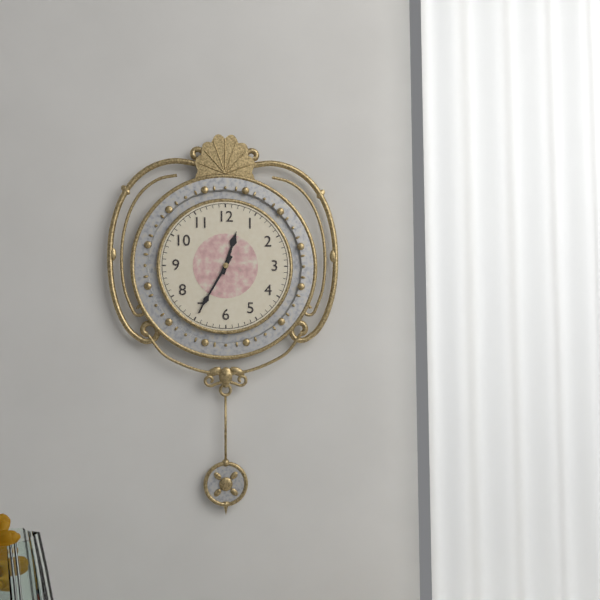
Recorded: 12h35
